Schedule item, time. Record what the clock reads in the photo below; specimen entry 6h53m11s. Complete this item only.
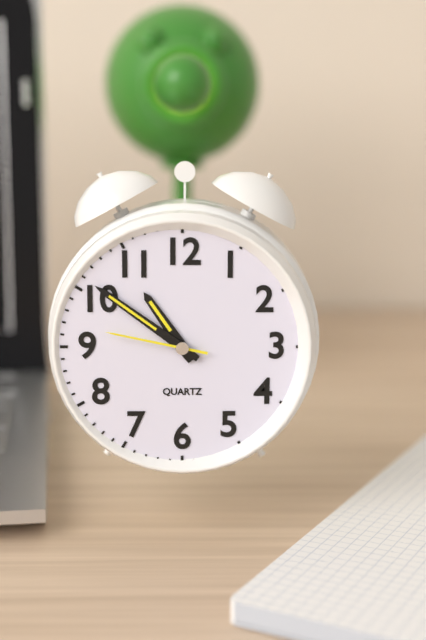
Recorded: 10h51m47s
